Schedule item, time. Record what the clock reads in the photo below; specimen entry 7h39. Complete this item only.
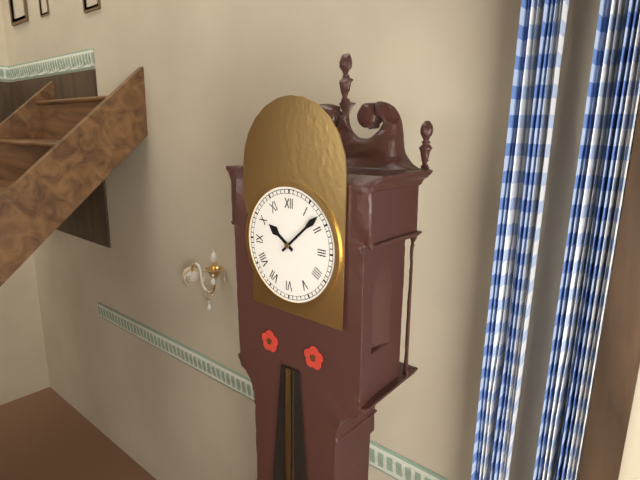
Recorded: 10h08
